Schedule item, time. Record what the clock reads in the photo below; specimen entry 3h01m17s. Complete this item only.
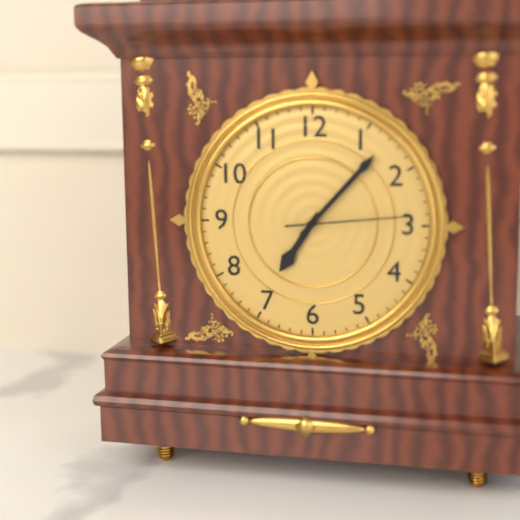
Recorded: 7h07m14s
